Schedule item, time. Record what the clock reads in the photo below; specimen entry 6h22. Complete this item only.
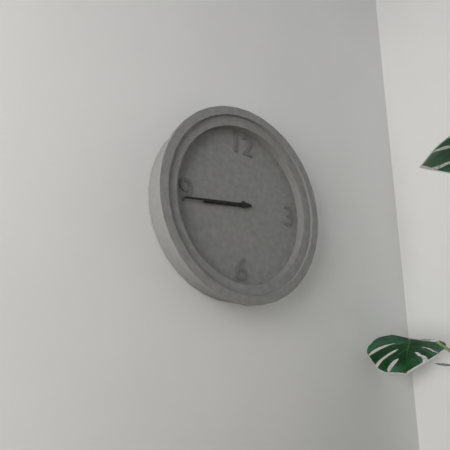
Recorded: 8h44
